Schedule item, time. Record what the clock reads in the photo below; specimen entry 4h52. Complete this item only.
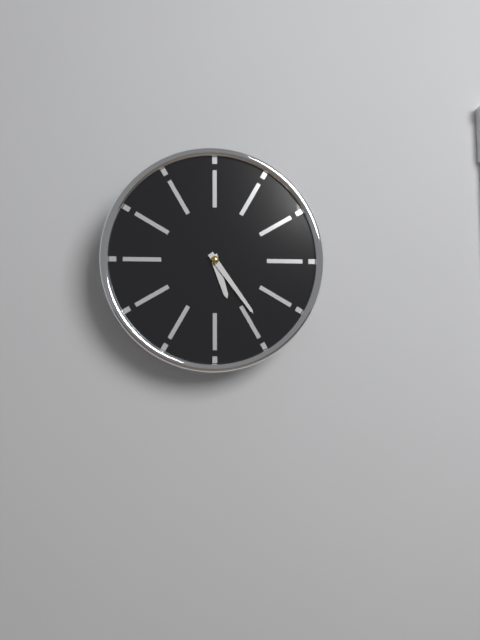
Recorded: 5h24
